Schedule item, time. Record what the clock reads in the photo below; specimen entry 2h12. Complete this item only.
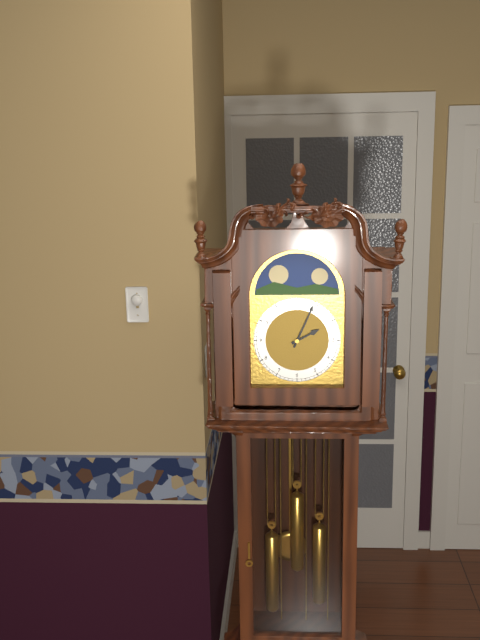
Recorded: 2h04
